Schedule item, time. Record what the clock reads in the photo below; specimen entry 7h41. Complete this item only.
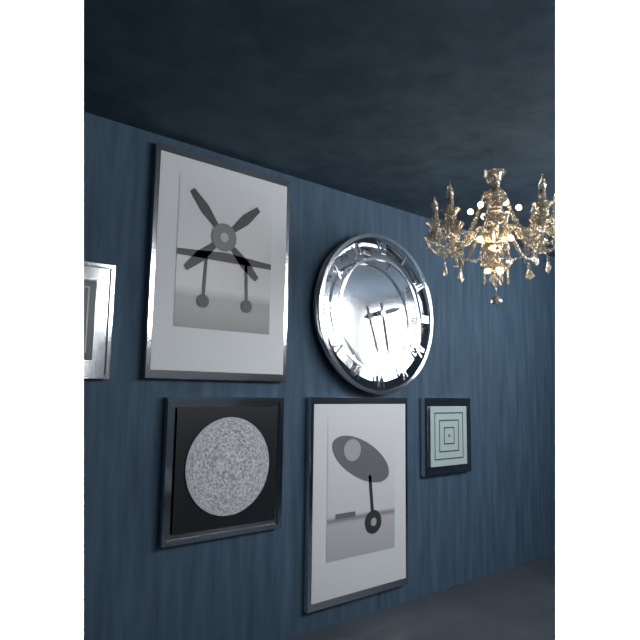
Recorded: 2h28
